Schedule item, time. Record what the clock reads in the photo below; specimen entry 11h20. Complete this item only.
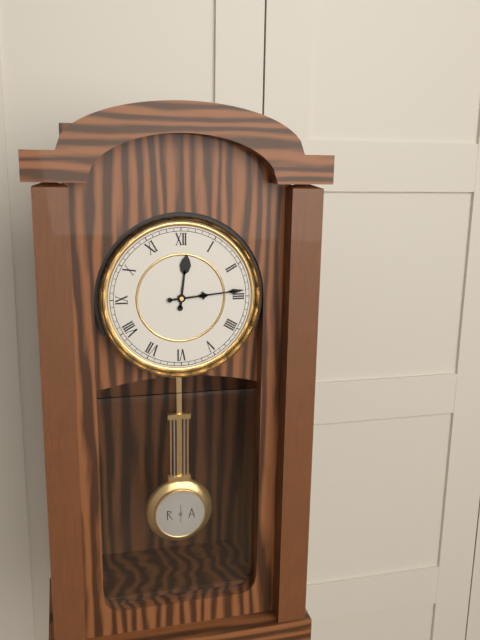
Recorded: 12h14
